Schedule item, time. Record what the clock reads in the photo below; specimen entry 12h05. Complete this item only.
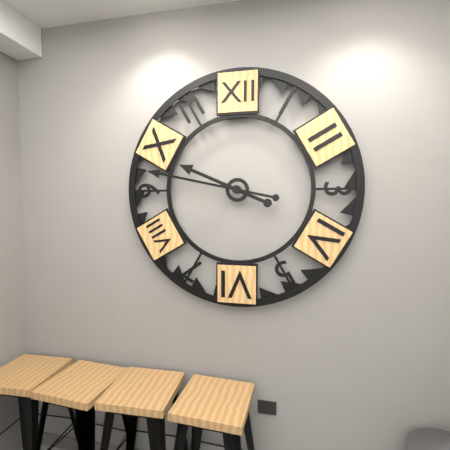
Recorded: 9h47
